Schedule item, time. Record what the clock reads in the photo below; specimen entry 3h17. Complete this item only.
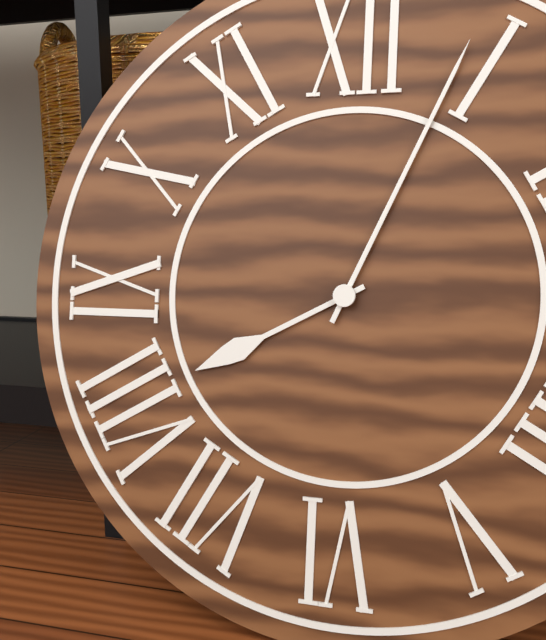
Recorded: 8h04
